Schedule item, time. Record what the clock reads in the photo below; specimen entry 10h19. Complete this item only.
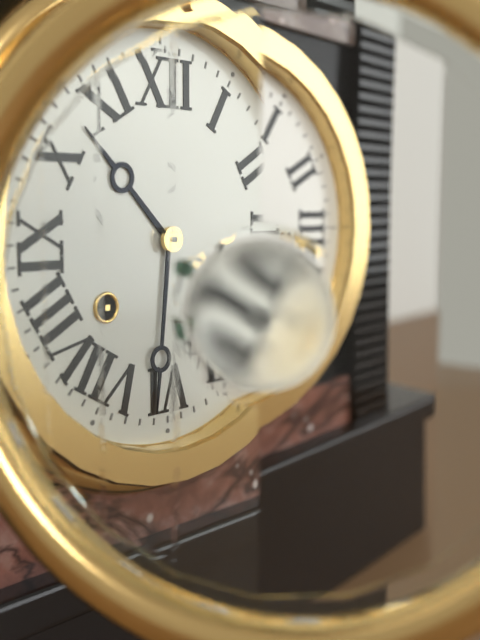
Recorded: 10h31
